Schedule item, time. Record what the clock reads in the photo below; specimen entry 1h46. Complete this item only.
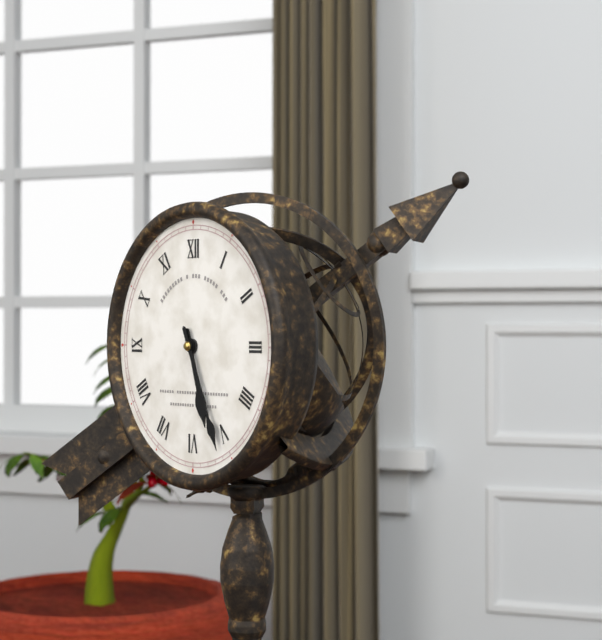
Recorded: 5h26
